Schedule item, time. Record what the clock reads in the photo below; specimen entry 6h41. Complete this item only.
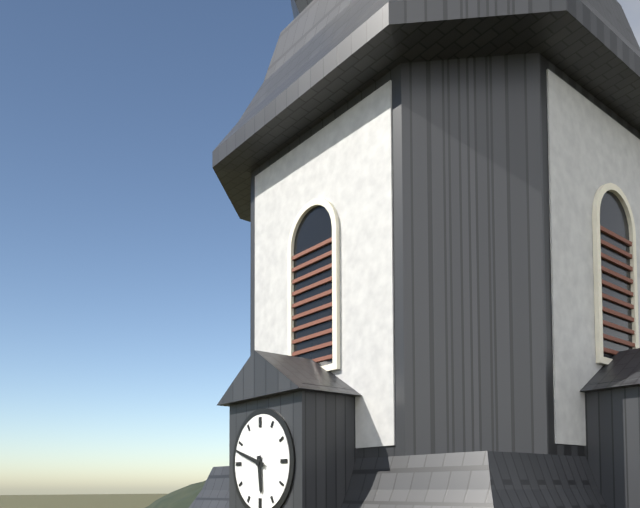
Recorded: 5h48
